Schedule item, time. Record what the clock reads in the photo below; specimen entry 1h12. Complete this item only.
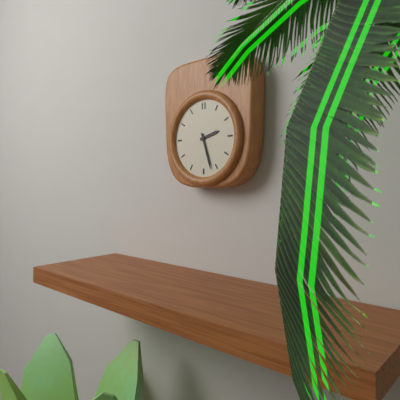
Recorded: 2h27
